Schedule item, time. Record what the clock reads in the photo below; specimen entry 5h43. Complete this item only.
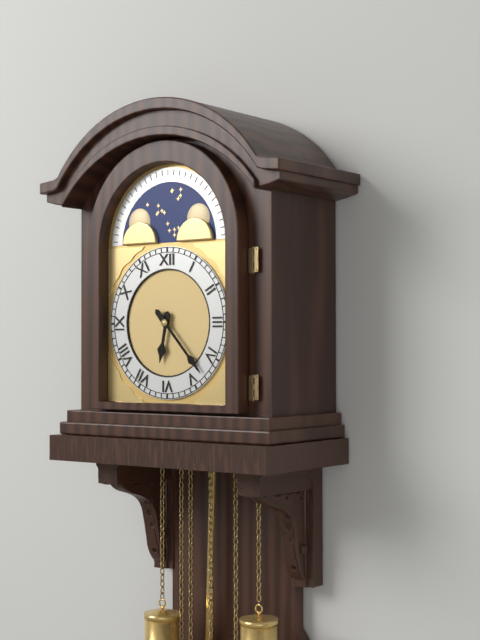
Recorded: 6h23
